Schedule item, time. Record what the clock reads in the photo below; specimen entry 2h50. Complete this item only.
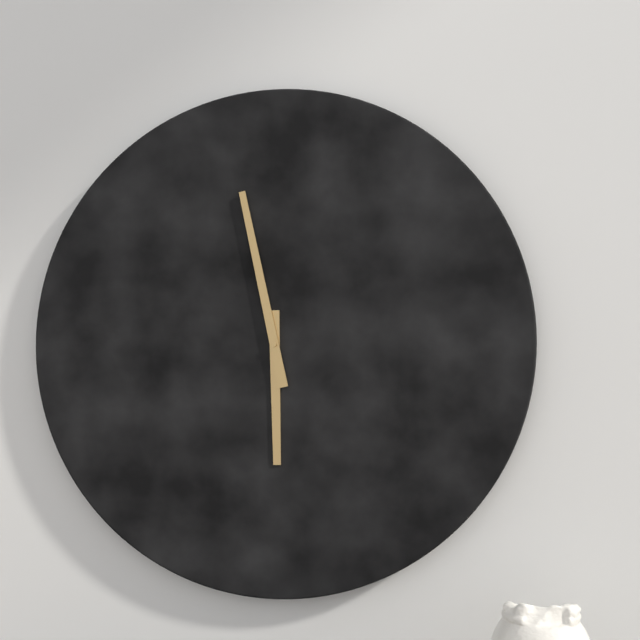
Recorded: 5h58
